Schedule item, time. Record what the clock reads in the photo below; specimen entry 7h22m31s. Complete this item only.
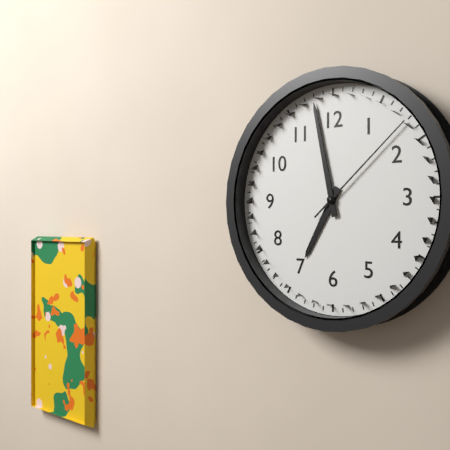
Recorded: 6h58m08s
